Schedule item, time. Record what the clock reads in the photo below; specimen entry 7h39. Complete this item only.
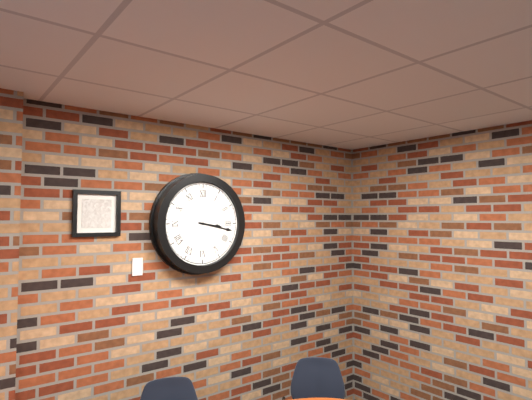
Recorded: 3h17
